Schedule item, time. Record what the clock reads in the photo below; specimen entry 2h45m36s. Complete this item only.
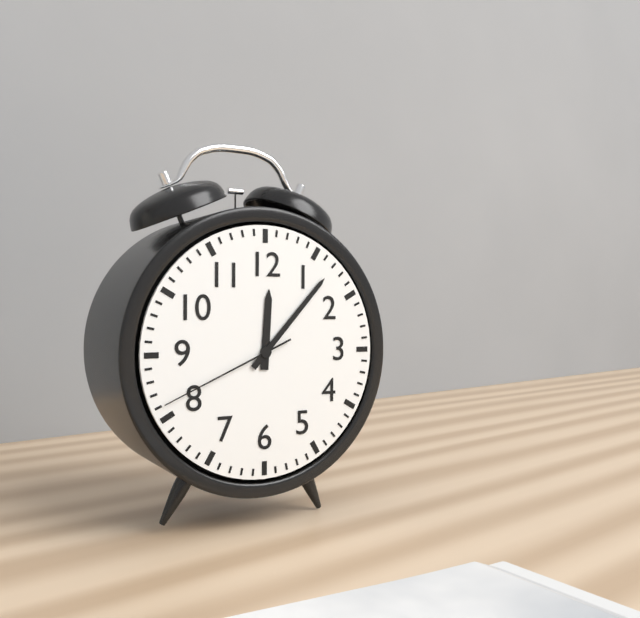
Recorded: 12h07m41s
